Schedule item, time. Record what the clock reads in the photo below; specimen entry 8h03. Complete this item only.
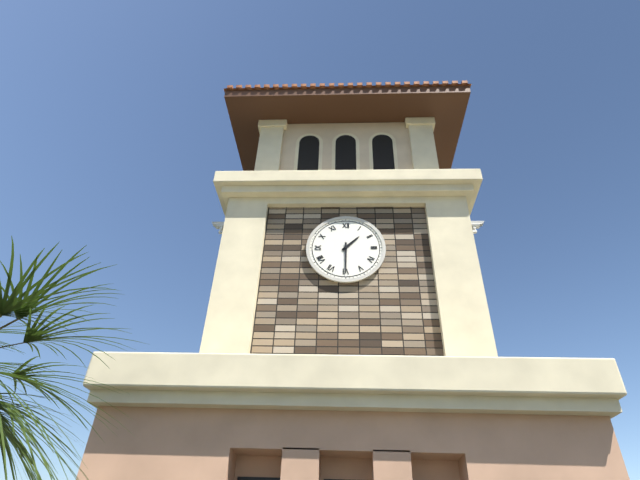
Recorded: 1h30
